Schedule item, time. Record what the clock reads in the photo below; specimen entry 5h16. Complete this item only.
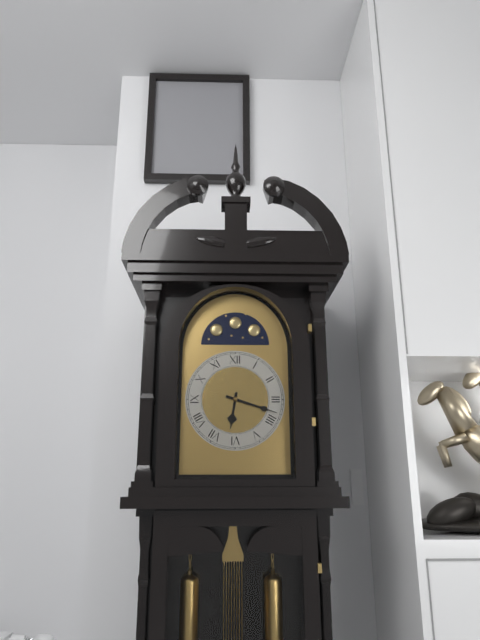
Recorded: 6h18
